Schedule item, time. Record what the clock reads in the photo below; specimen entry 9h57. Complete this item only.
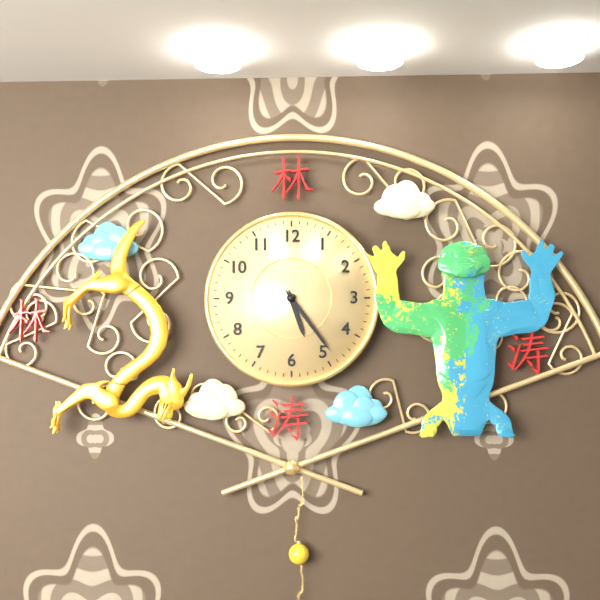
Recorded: 5h24
